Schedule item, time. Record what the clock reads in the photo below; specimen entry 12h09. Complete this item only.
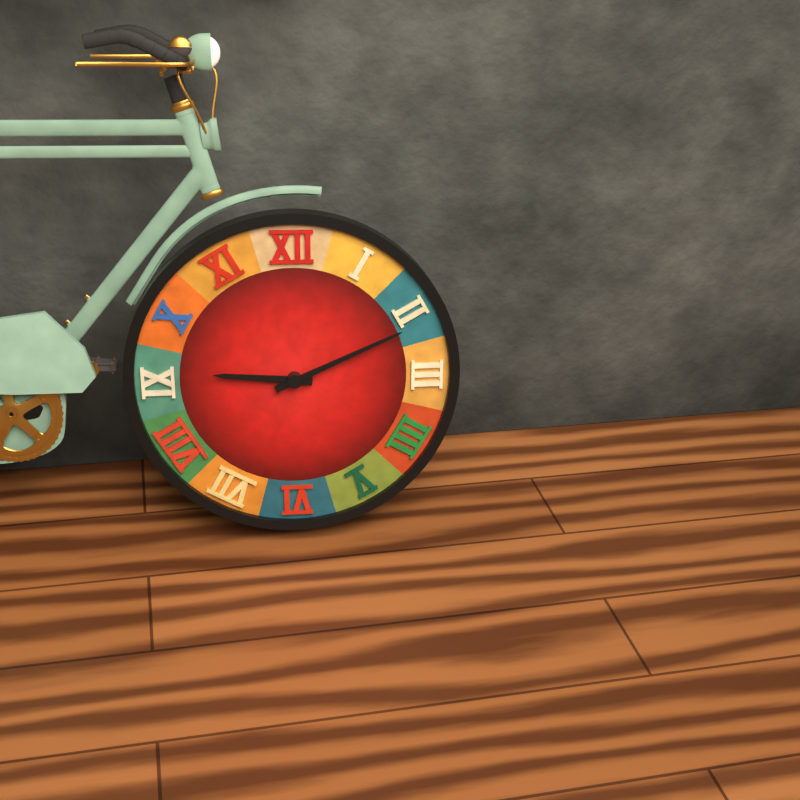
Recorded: 9h11
